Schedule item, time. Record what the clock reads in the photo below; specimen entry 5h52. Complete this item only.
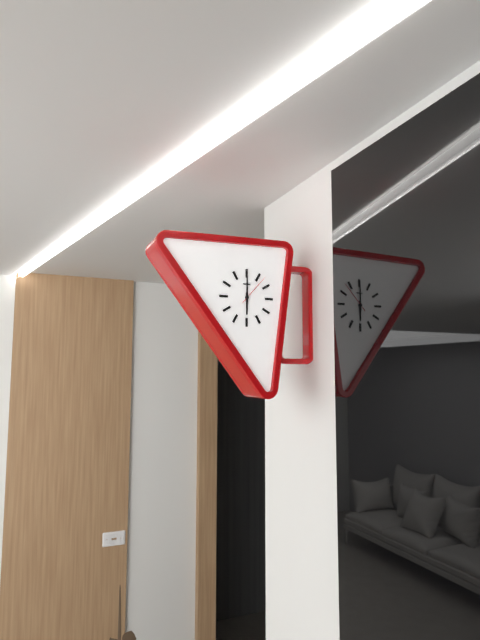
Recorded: 6h00
